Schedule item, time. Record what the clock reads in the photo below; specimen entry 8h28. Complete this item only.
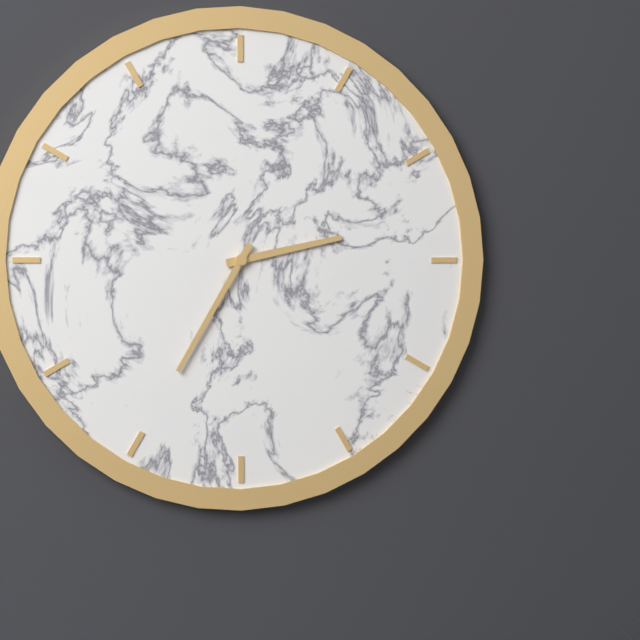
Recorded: 2h35
